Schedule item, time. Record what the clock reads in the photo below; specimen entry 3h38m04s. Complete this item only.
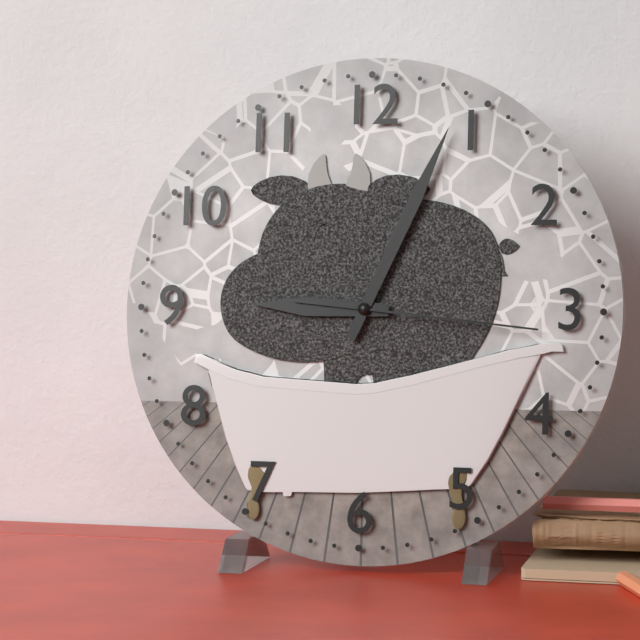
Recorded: 9h04m16s
